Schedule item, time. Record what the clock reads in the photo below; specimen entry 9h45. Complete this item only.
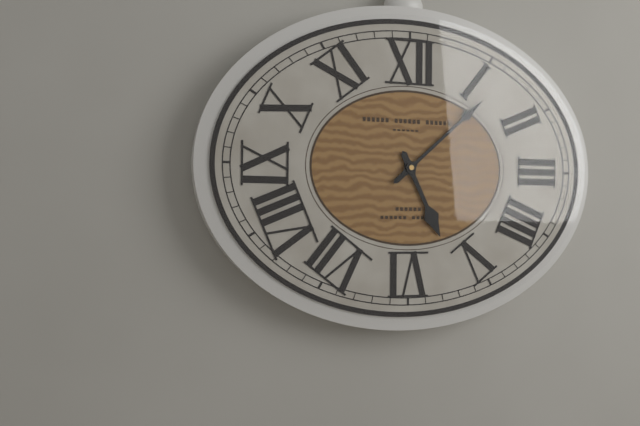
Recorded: 5h08
